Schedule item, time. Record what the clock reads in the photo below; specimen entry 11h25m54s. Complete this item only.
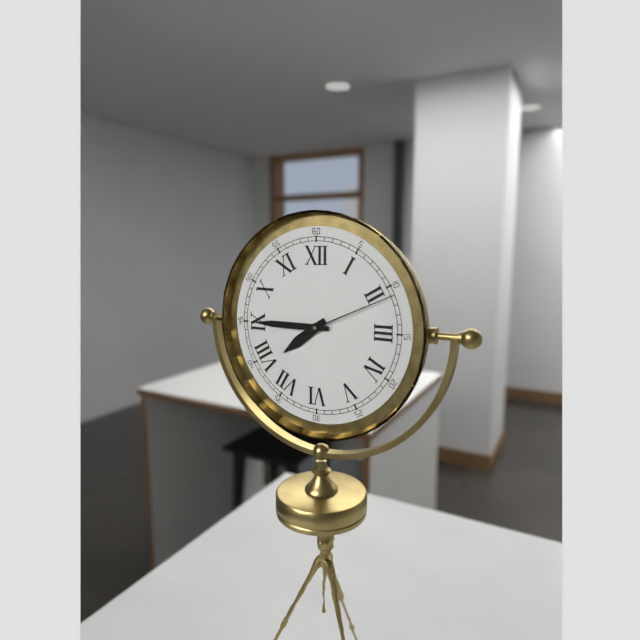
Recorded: 7h45m11s
